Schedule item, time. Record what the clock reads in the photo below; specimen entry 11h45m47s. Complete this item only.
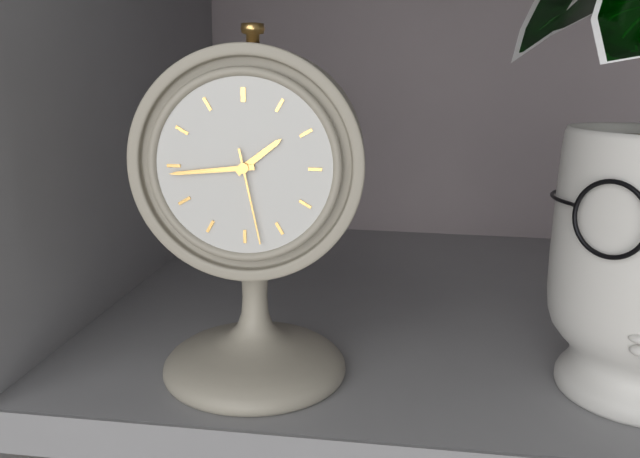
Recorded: 1h44m28s
